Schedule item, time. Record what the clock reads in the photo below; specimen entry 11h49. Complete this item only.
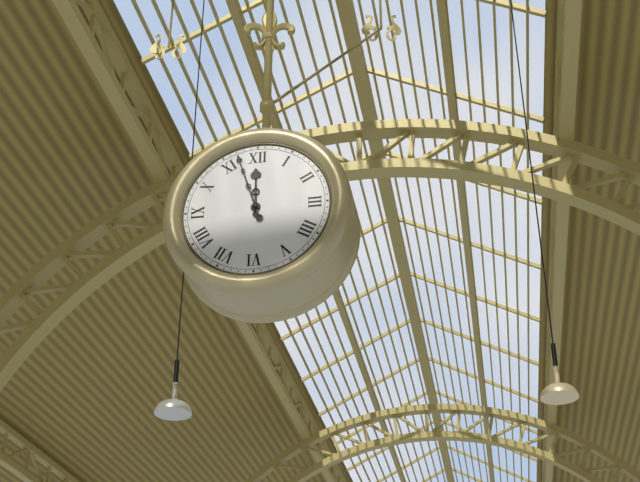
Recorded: 11h57
